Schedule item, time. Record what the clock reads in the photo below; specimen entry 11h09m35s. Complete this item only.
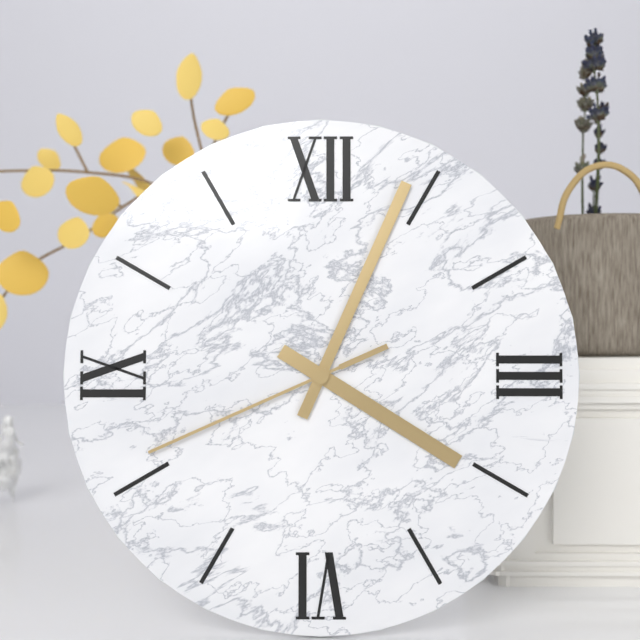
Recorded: 4h04m41s
